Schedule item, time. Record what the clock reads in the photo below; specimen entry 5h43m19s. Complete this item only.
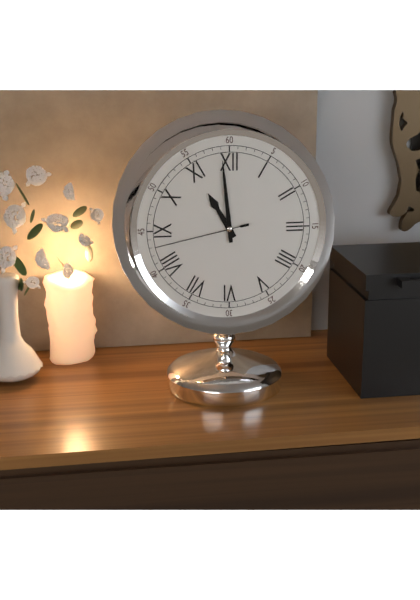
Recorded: 10h59m43s
